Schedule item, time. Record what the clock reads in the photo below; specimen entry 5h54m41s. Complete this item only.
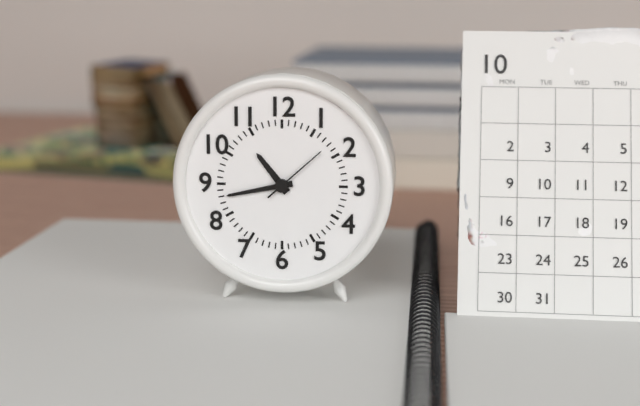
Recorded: 10h43m08s
